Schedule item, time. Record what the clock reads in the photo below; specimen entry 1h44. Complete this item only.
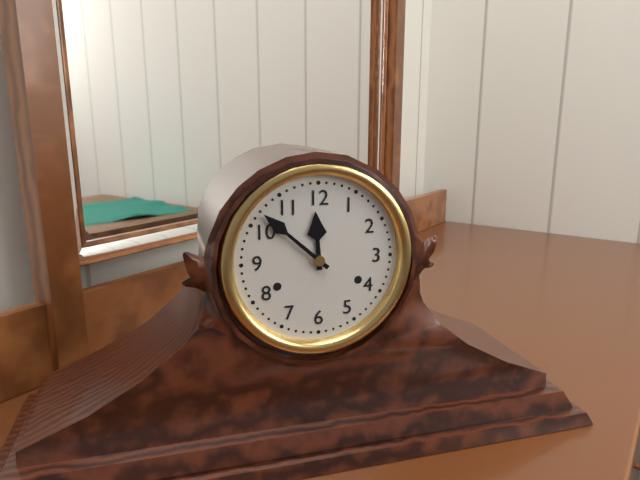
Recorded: 11h52
